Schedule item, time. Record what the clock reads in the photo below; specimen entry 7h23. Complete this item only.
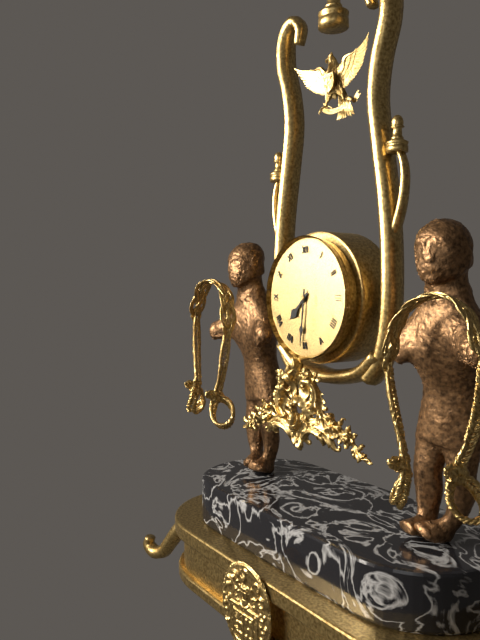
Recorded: 7h31
